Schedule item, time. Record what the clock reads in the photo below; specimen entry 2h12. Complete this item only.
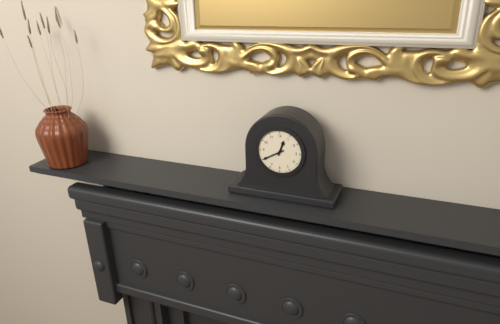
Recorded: 12h40
